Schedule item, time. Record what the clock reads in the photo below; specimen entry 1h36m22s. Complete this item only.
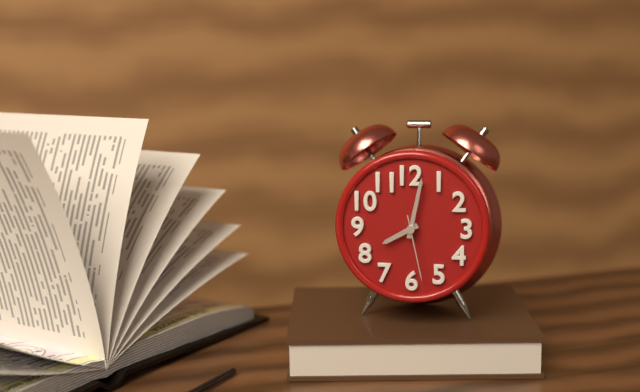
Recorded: 8h02m28s
